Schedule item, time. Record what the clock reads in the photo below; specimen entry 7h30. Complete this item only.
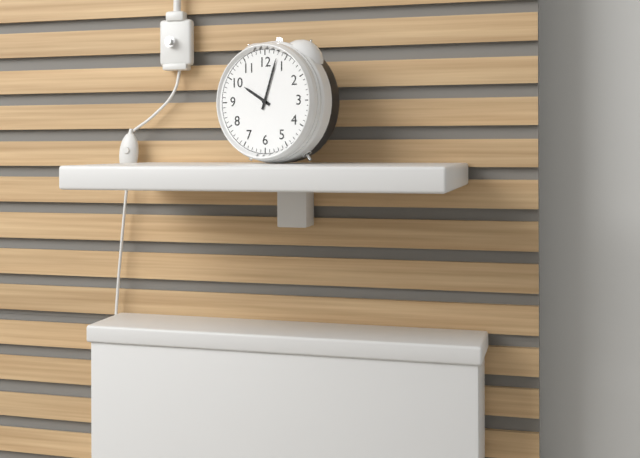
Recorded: 10h03
